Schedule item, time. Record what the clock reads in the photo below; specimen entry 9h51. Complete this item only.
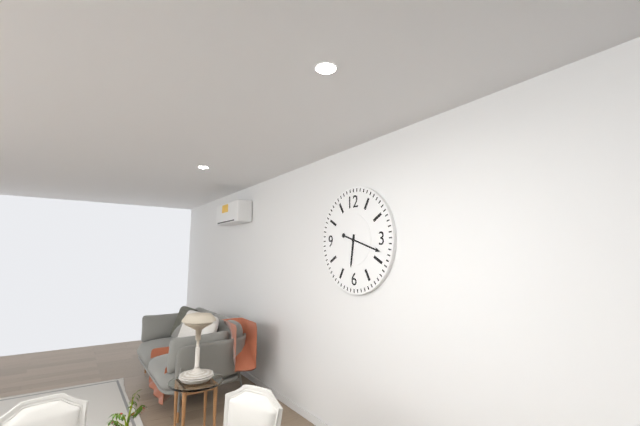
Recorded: 6h18
